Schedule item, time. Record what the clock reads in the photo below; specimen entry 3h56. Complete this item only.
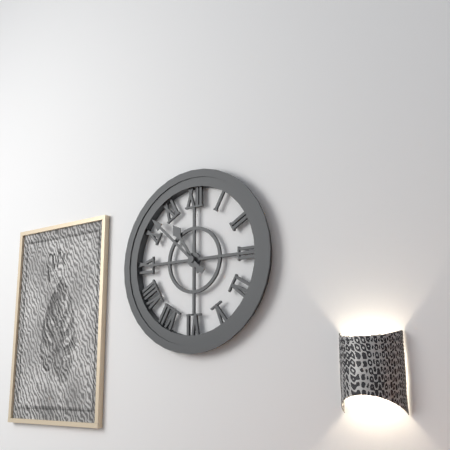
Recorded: 10h52
